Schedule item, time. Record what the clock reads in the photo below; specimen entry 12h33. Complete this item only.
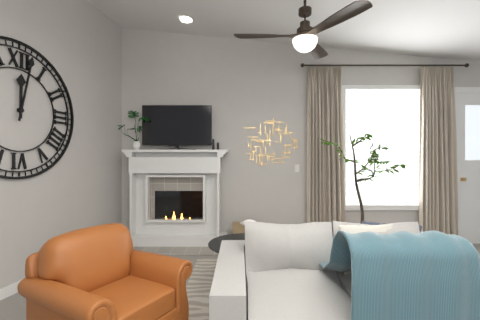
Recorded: 12h02
